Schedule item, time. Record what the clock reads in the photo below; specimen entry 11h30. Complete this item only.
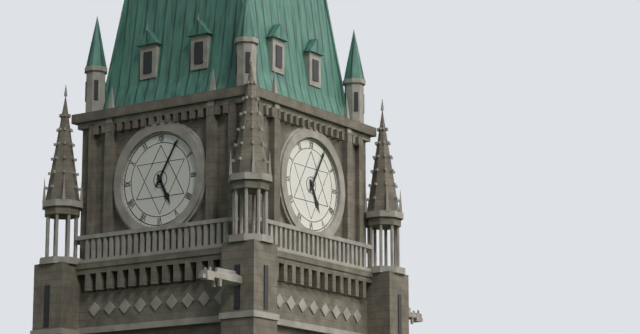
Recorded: 5h05
